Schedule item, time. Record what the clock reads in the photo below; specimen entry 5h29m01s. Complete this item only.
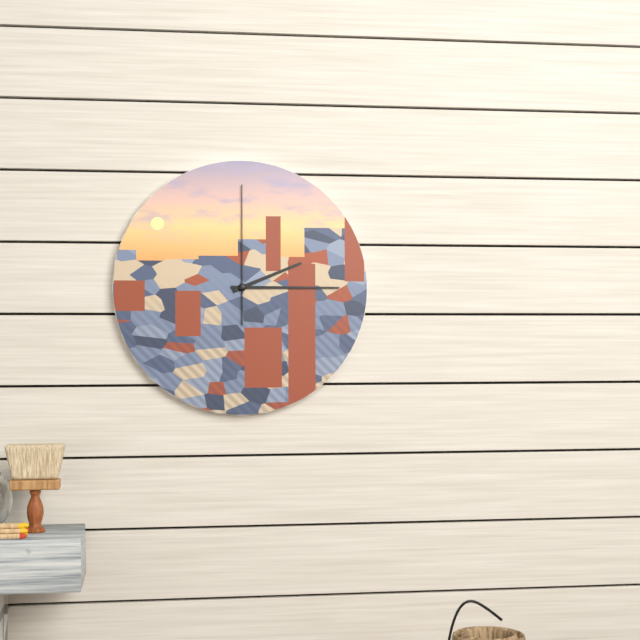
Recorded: 2h15m00s
